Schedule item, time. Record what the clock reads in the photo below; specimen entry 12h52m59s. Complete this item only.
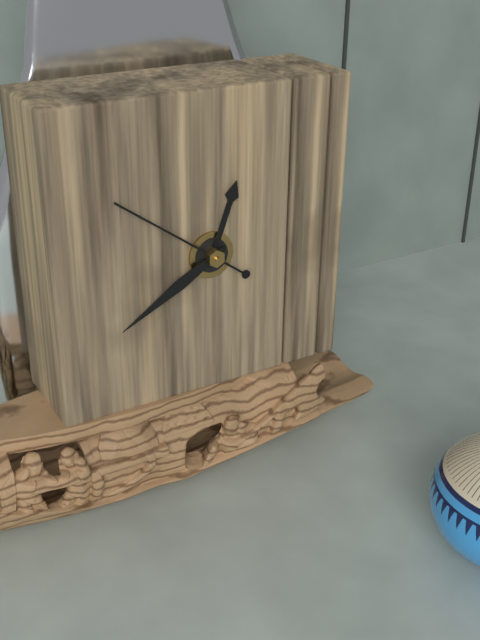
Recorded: 12h40m51s
